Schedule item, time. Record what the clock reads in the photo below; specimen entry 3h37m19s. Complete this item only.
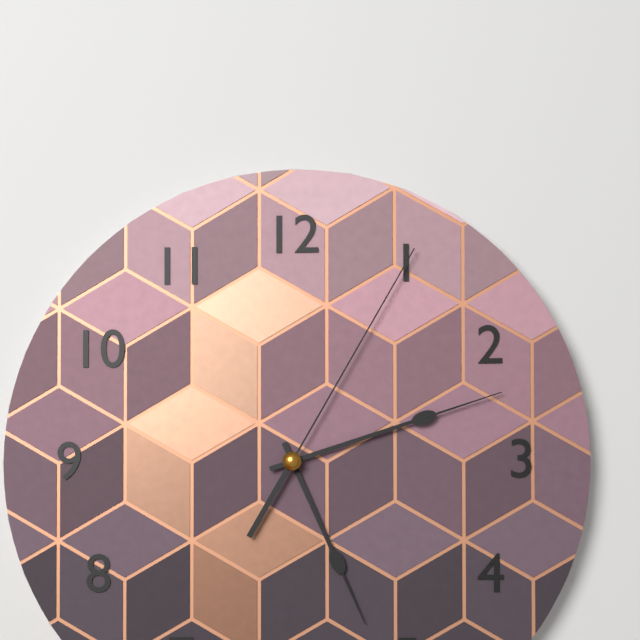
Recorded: 5h12m05s
